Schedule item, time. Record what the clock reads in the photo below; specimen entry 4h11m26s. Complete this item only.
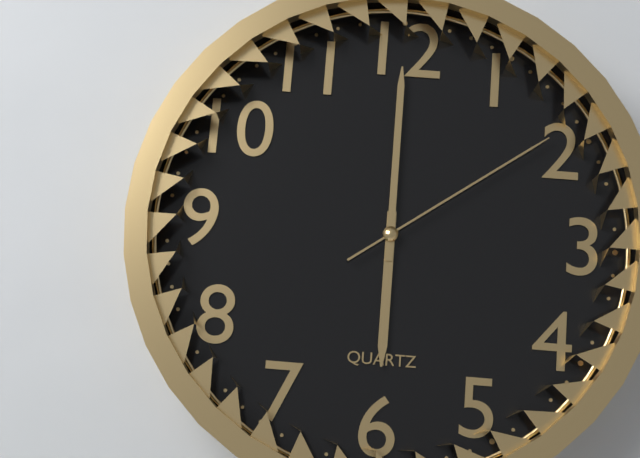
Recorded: 6h00m09s
